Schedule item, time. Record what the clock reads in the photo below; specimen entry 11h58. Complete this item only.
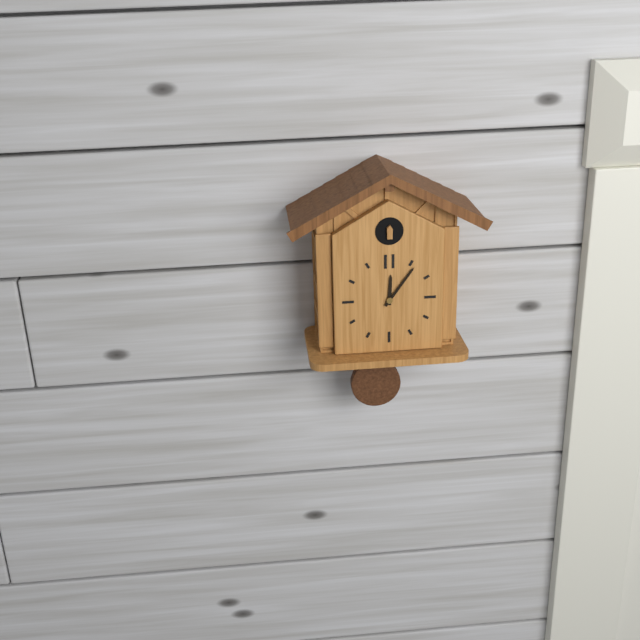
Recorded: 12h06
